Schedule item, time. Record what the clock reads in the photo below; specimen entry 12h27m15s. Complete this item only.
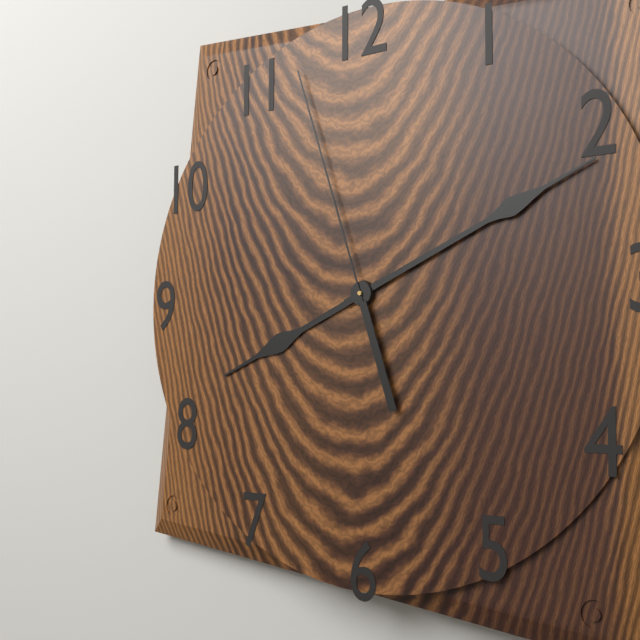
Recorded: 8h11m57s
